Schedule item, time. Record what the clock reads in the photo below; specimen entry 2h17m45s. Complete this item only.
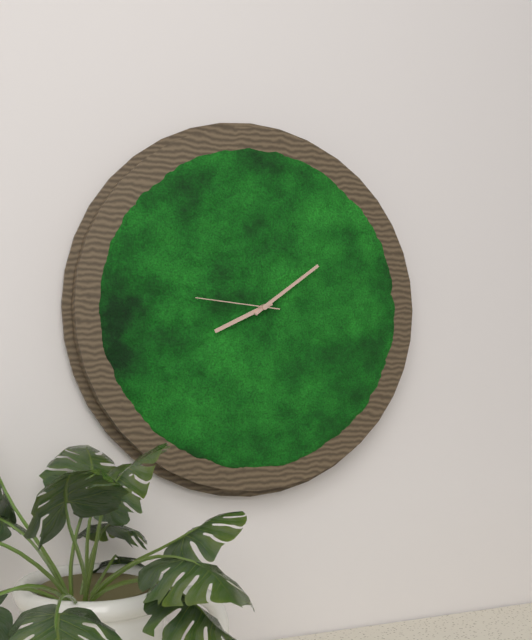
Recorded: 8h09m46s
